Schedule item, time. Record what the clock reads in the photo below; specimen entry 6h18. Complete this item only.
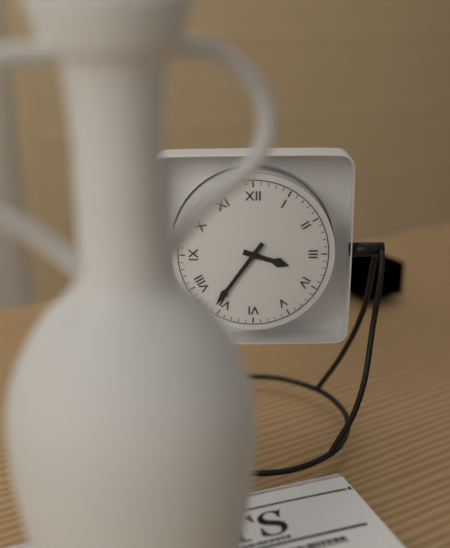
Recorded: 3h36
